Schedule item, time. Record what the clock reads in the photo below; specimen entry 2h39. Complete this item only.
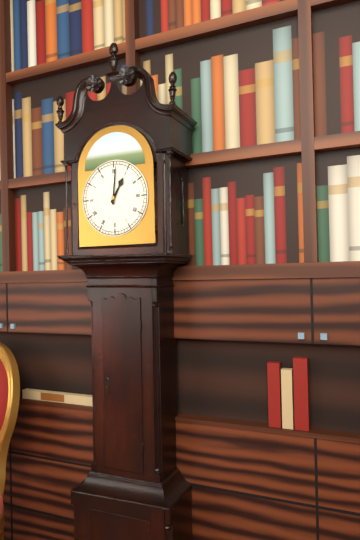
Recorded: 1h01
